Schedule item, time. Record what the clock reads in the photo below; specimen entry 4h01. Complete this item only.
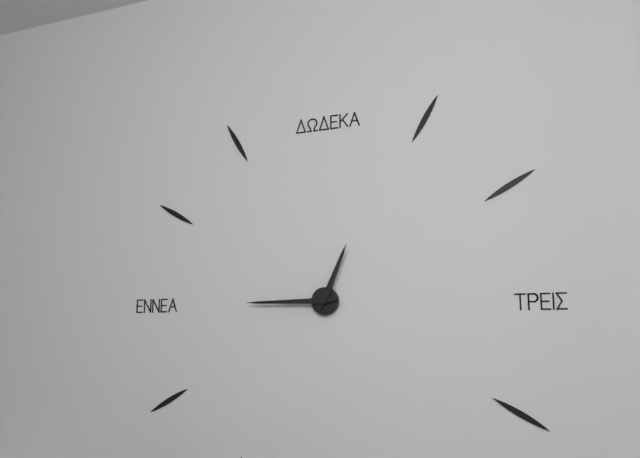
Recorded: 12h45
